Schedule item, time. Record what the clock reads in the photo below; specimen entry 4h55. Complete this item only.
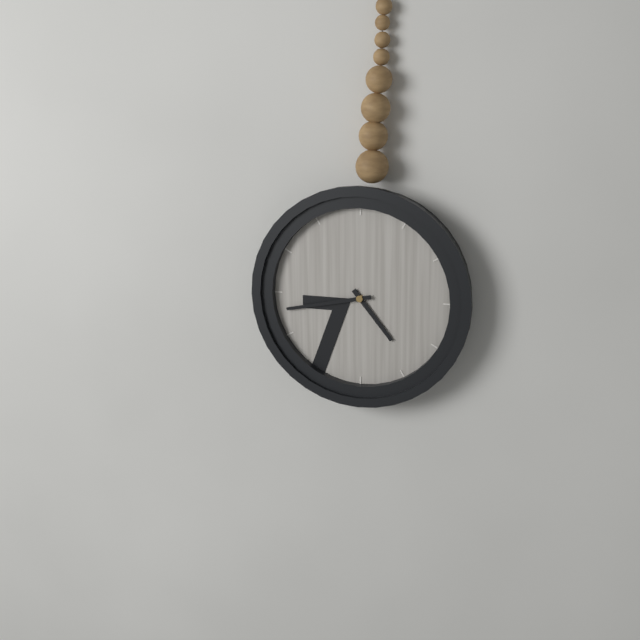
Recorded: 4h43
